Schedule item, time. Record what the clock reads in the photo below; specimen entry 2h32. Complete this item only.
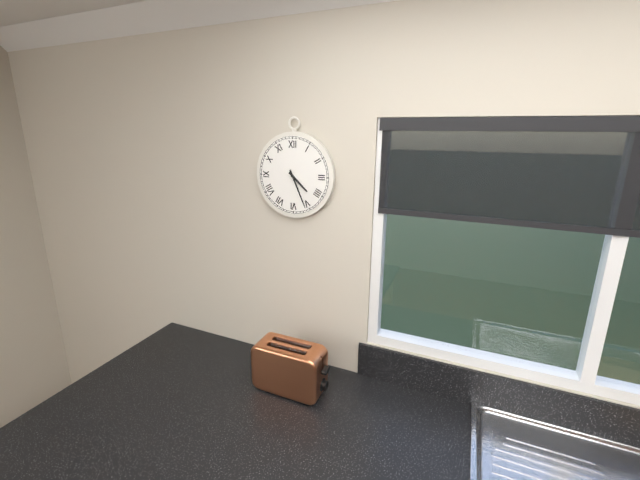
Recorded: 4h26
